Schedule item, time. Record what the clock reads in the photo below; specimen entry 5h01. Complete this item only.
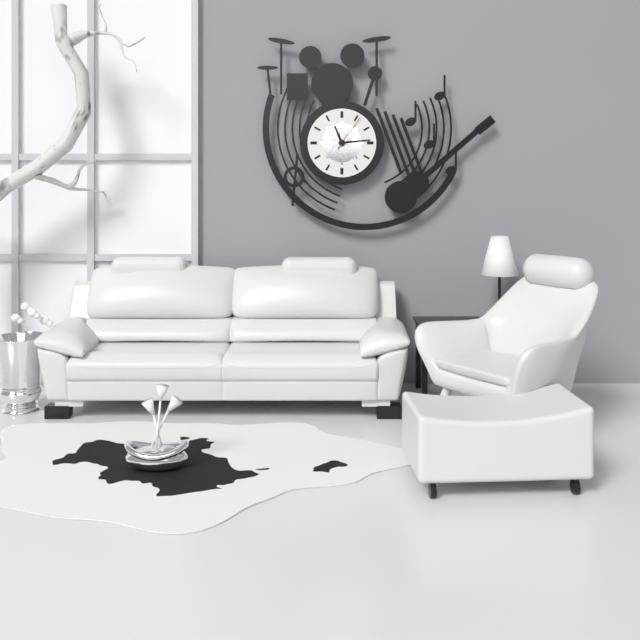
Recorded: 11h14
